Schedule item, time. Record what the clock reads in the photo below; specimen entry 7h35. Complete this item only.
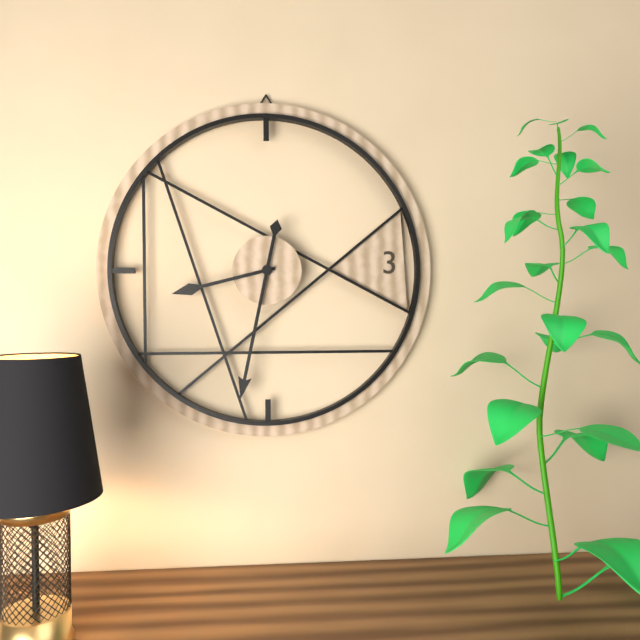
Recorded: 8h32
